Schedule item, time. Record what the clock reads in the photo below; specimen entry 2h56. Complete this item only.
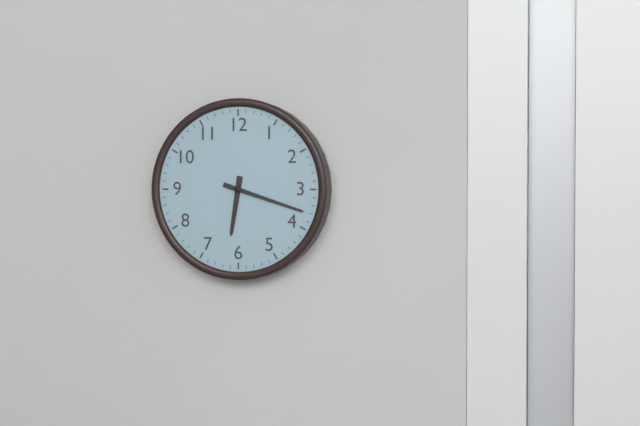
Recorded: 6h18
